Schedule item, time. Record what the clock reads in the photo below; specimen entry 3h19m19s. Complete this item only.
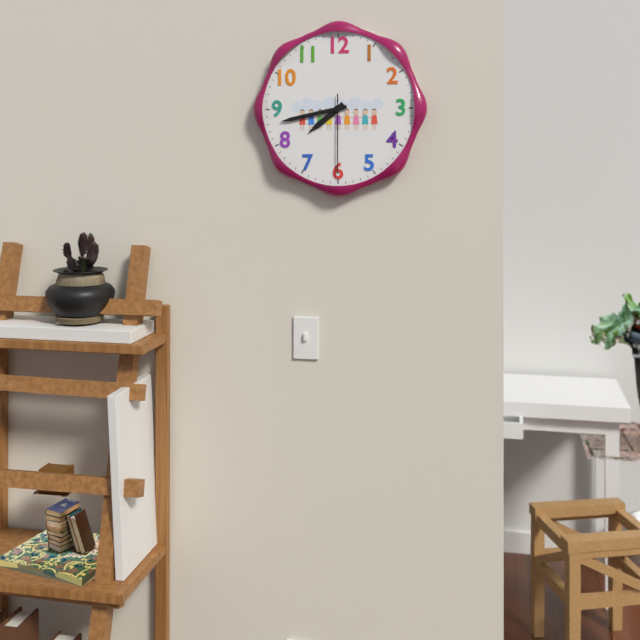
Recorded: 7h43m30s
